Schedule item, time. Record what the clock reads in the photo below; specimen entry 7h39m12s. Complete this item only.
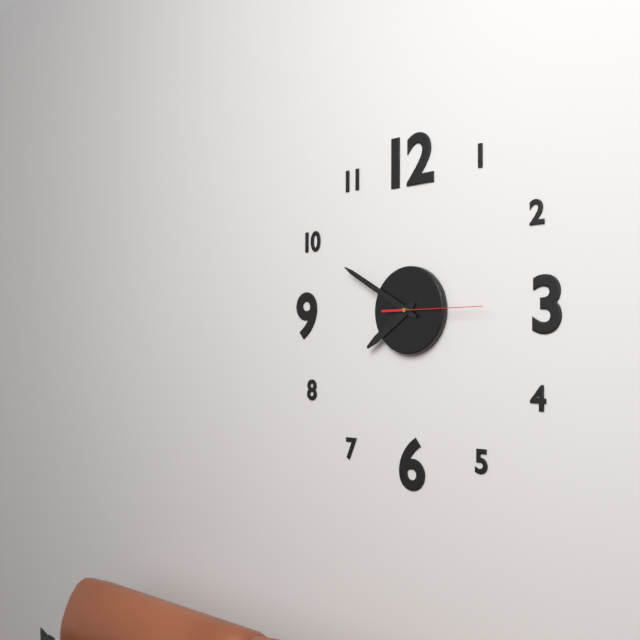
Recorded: 7h50m15s
